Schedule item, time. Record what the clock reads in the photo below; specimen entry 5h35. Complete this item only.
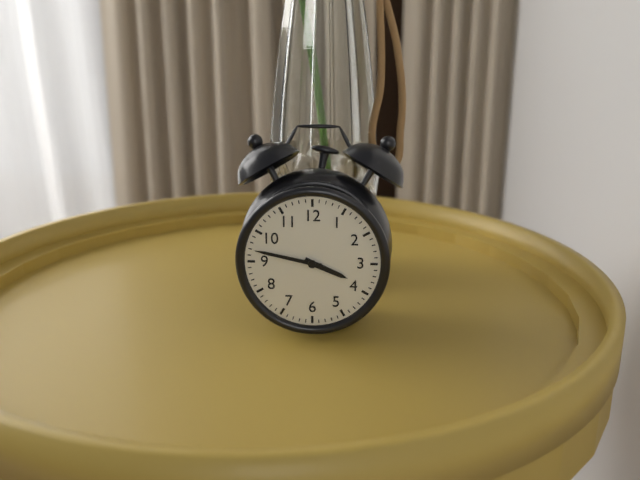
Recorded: 3h47
